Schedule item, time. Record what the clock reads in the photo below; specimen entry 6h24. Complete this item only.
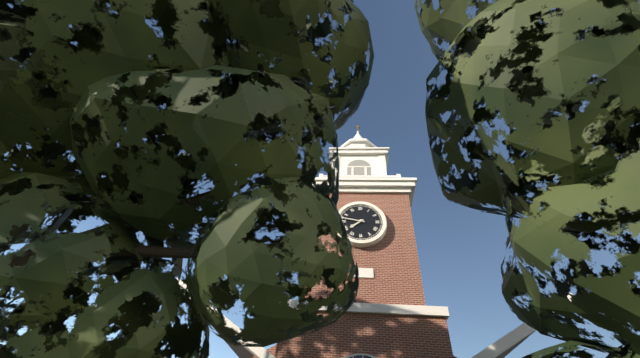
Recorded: 7h47
